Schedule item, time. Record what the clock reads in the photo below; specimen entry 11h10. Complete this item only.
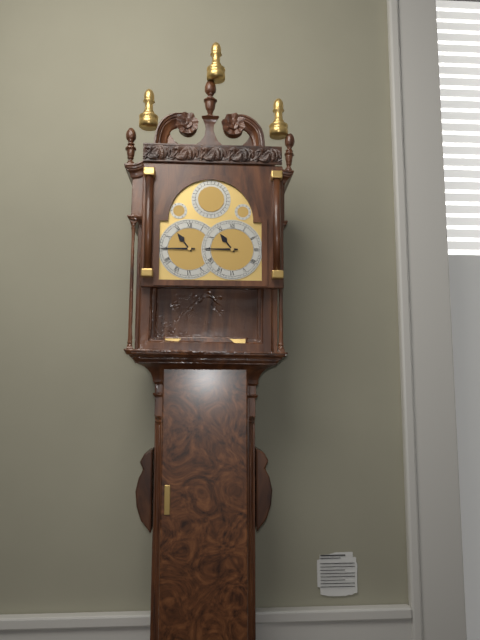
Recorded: 10h45
